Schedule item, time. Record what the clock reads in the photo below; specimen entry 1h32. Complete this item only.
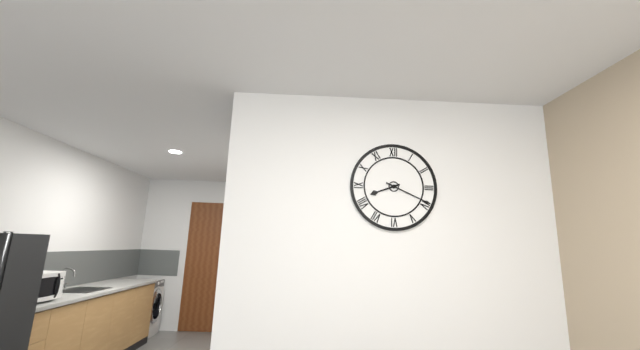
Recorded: 8h19
